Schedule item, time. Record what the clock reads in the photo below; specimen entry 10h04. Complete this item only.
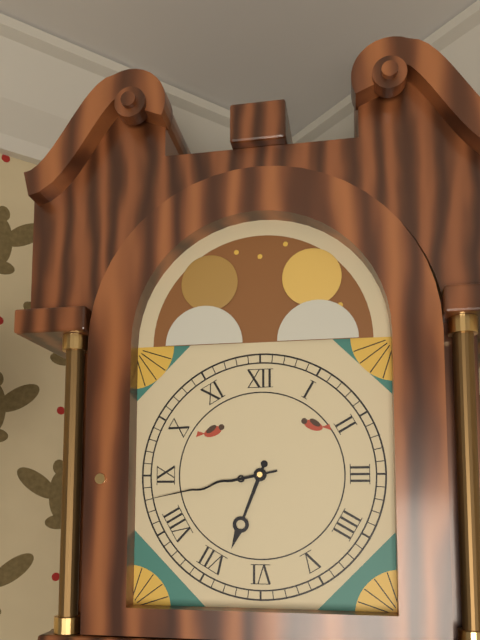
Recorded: 6h43
